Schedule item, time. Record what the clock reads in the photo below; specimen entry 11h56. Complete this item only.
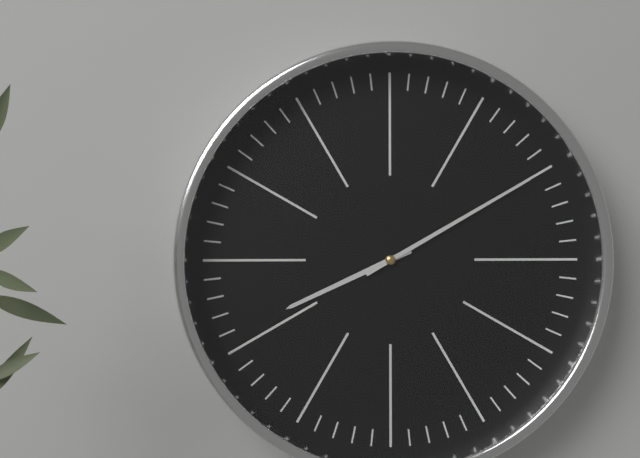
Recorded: 8h10
